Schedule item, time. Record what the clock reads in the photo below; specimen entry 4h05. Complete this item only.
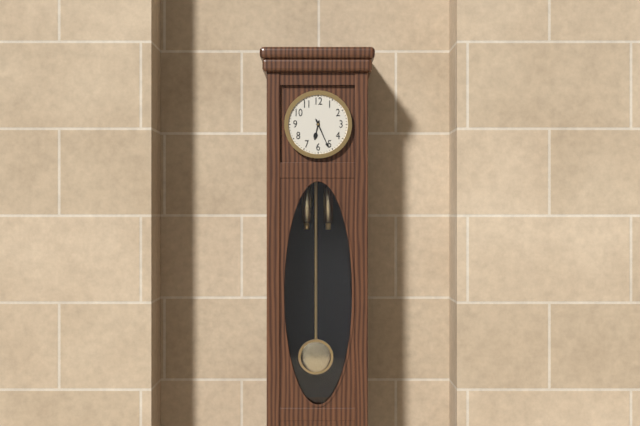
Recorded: 6h26
